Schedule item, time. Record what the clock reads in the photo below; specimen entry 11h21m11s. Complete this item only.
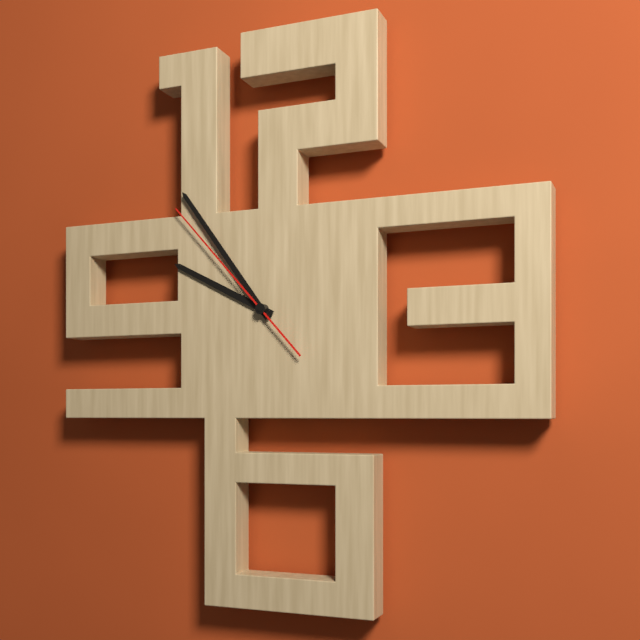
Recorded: 9h54m53s
